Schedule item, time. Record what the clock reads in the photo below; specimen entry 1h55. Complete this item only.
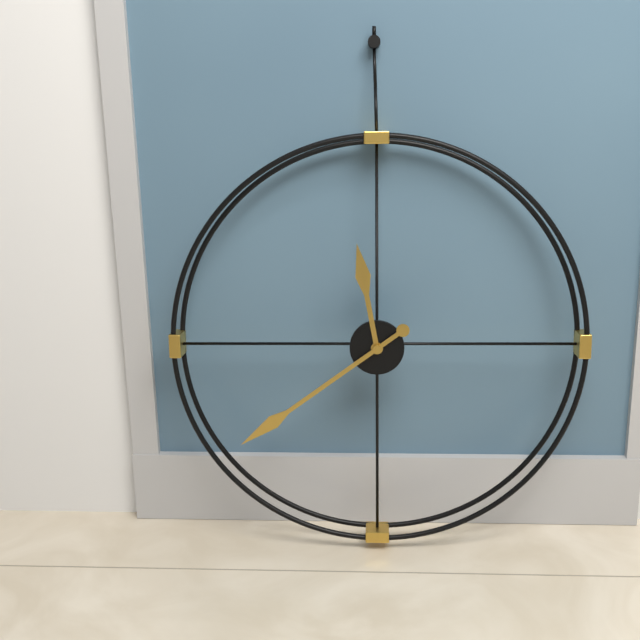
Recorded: 11h39
